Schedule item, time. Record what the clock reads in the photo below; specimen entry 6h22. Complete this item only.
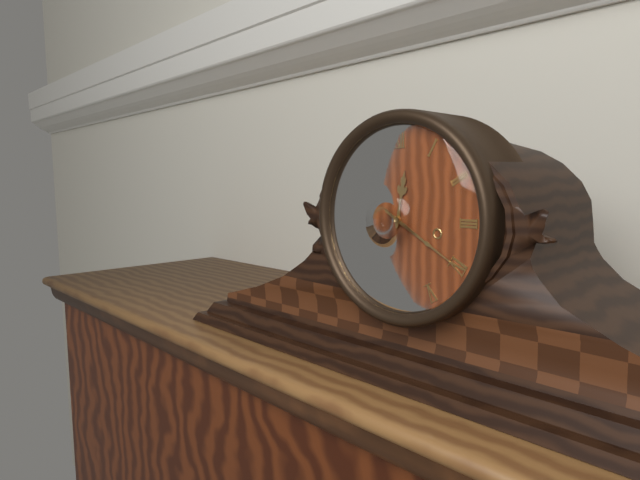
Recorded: 12h20
